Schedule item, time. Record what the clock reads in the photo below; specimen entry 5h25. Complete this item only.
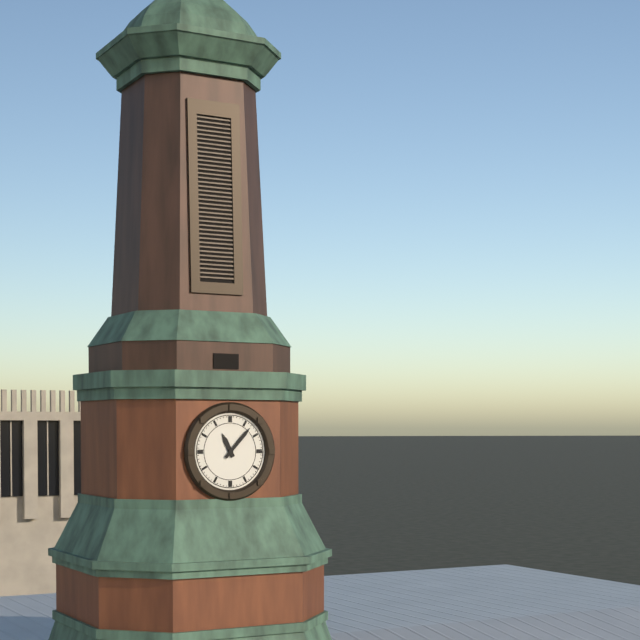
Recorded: 11h07
